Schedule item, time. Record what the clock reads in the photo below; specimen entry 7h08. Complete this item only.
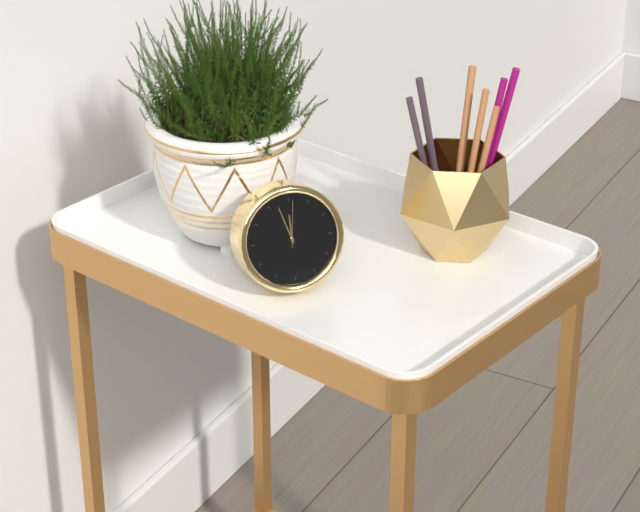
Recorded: 11h57
